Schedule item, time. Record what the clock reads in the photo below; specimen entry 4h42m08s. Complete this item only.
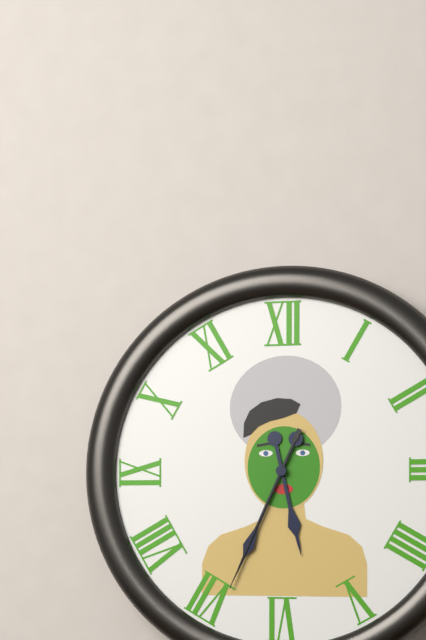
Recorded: 5h34m34s
